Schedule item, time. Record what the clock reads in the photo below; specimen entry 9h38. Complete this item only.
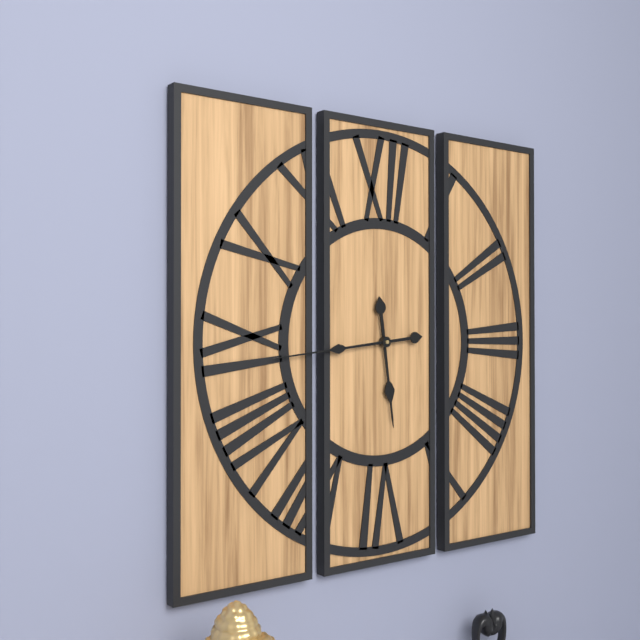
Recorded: 5h44
